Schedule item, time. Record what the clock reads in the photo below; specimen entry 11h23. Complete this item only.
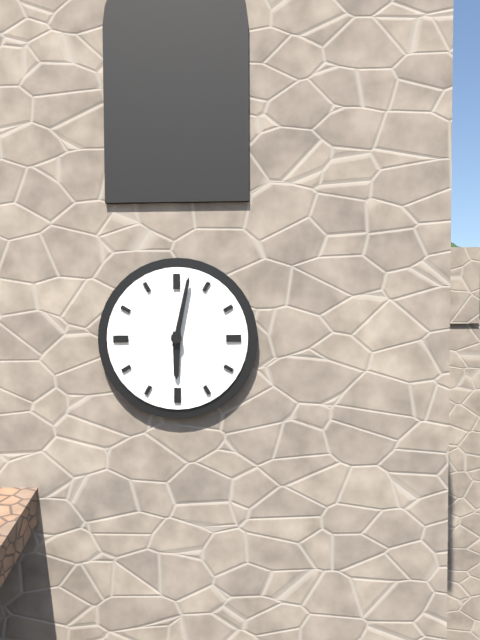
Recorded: 6h02
